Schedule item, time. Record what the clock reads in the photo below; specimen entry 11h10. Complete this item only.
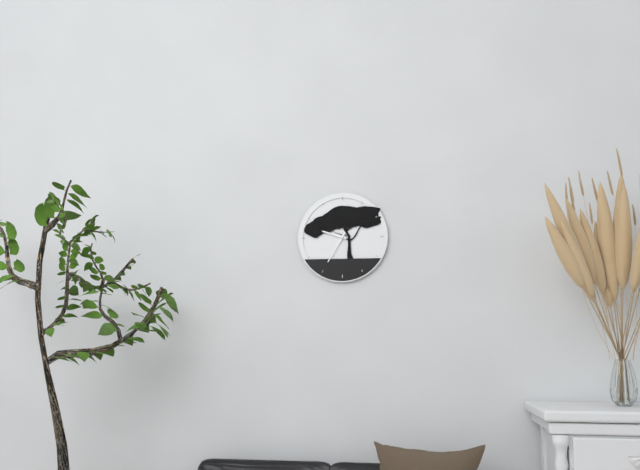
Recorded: 9h35
